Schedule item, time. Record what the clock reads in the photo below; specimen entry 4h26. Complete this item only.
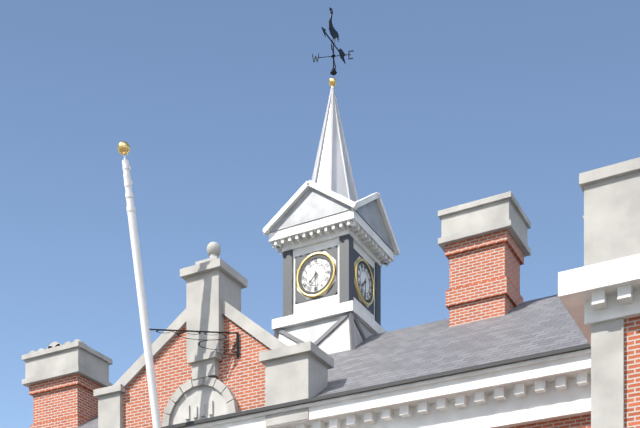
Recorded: 7h30
